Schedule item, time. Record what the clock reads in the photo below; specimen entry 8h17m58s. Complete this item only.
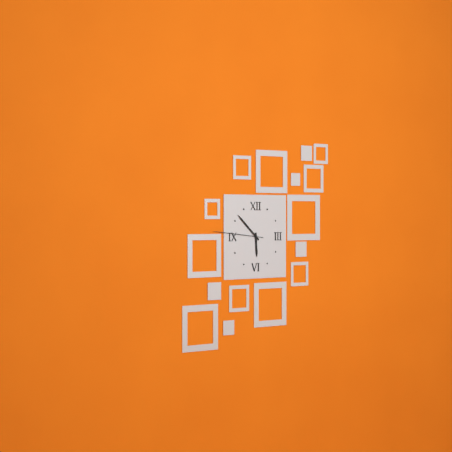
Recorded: 5h52m46s
